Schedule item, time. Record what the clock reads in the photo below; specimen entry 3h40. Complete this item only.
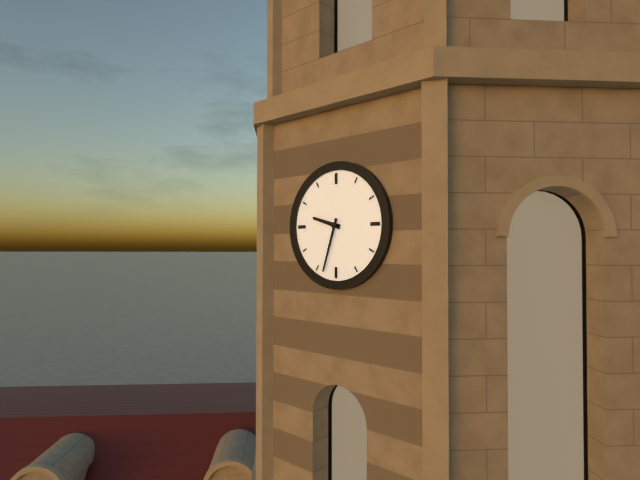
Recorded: 9h33
